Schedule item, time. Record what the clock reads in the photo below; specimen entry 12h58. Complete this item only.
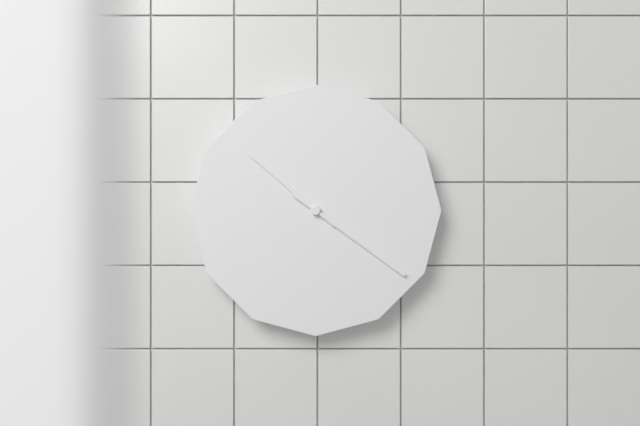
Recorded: 10h21
